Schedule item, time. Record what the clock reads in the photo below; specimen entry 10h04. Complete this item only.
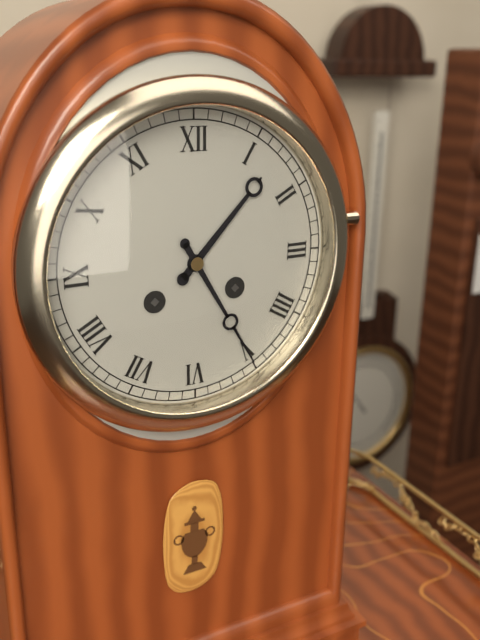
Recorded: 1h25
